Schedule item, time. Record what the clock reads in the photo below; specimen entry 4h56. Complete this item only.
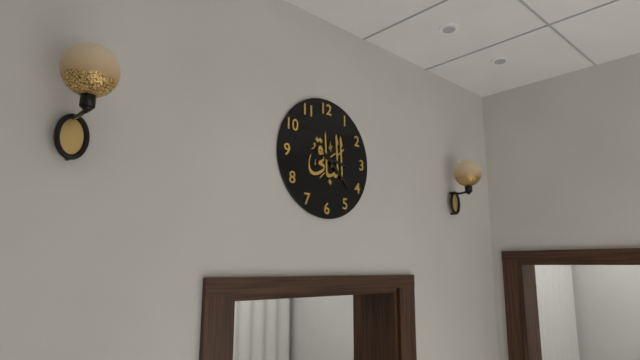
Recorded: 3h22
